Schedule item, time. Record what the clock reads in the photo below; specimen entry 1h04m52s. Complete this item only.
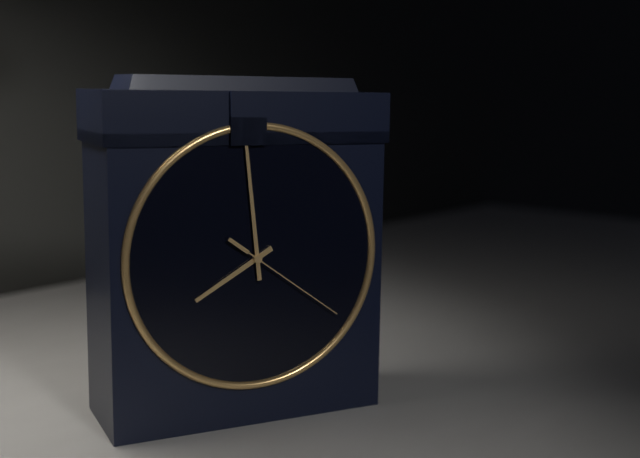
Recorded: 7h59m21s
